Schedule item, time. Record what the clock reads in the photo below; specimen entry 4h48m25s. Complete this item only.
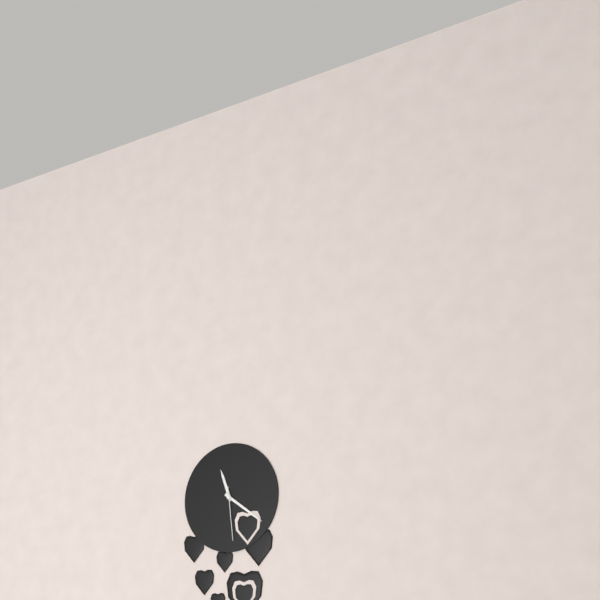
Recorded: 11h21m29s
